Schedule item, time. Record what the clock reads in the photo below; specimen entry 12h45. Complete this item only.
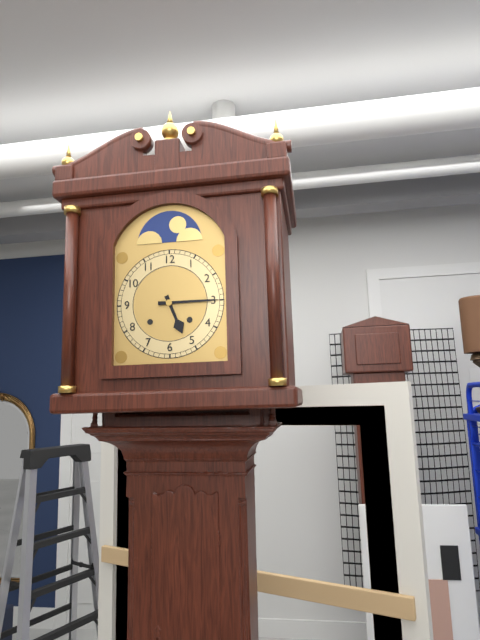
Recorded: 5h15
